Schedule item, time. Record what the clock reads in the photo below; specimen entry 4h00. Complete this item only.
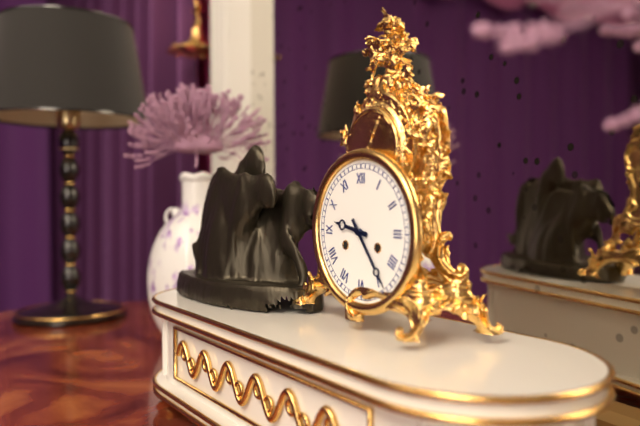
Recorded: 9h24
